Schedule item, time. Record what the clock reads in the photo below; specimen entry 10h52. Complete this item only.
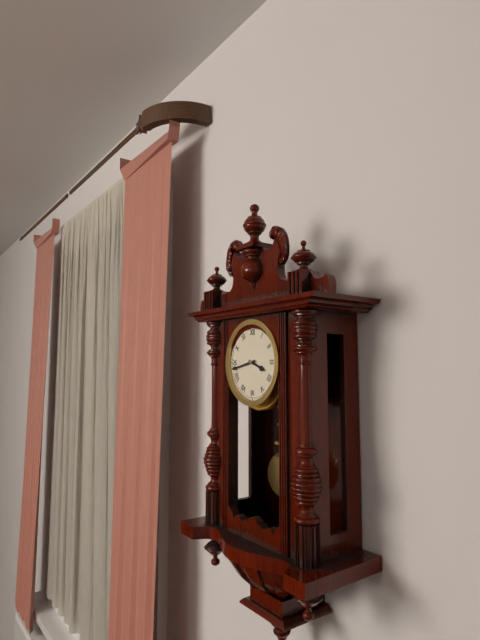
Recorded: 3h43
